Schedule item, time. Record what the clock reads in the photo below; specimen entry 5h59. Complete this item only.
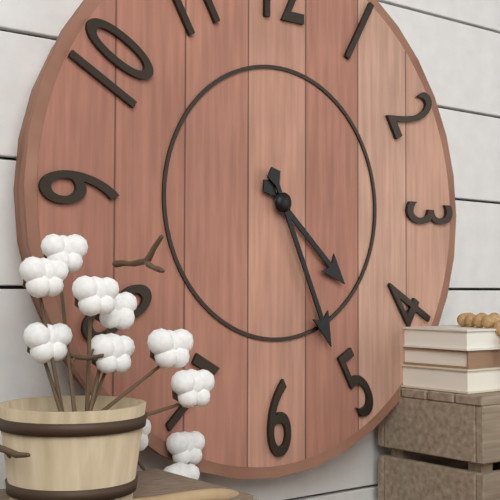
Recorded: 4h26
